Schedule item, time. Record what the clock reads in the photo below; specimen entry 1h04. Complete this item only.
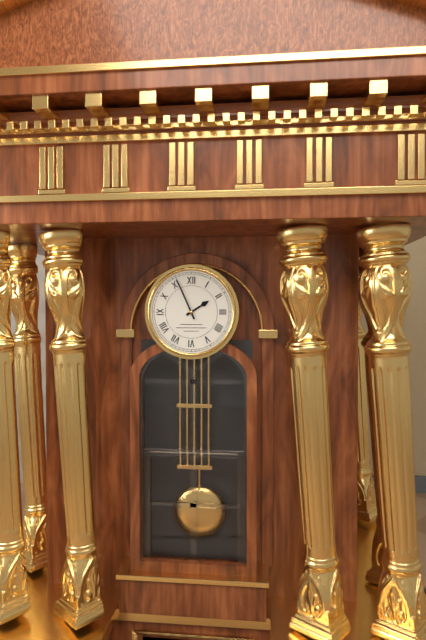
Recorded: 1h56
